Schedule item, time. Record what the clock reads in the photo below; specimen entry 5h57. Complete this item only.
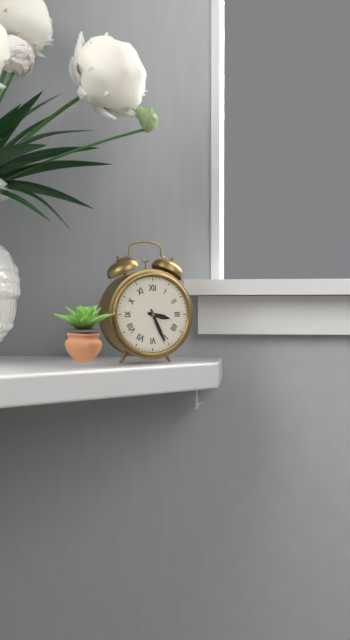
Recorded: 3h26
